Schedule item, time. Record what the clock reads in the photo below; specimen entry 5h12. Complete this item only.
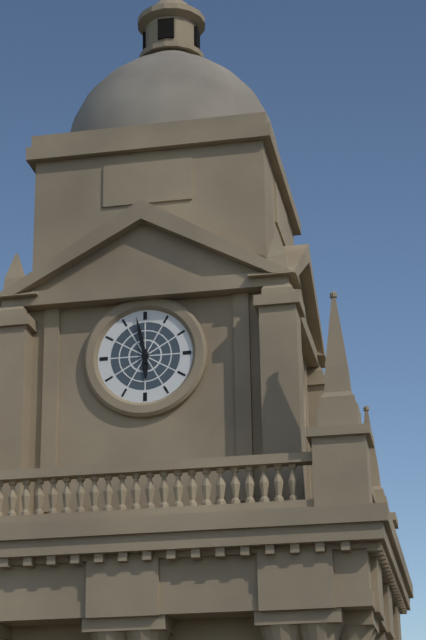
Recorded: 5h58
